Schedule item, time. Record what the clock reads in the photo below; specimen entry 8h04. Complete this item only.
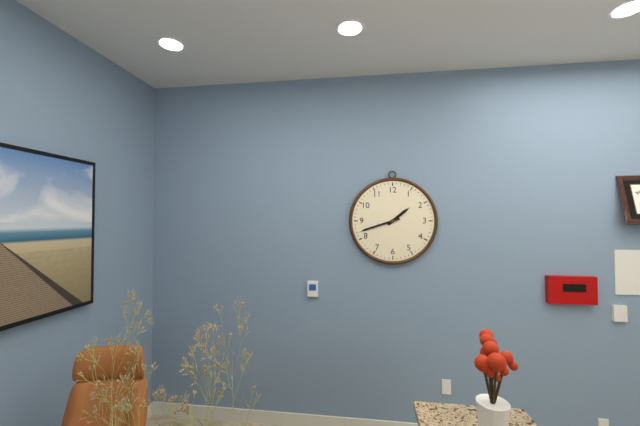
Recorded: 1h42
